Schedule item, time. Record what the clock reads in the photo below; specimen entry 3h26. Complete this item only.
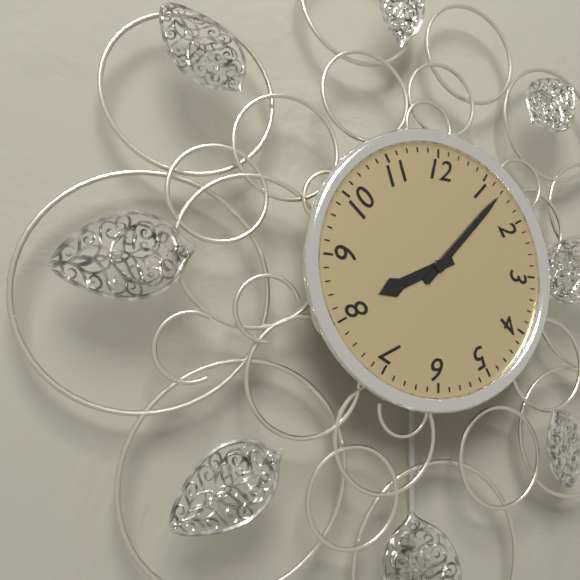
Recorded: 8h07
